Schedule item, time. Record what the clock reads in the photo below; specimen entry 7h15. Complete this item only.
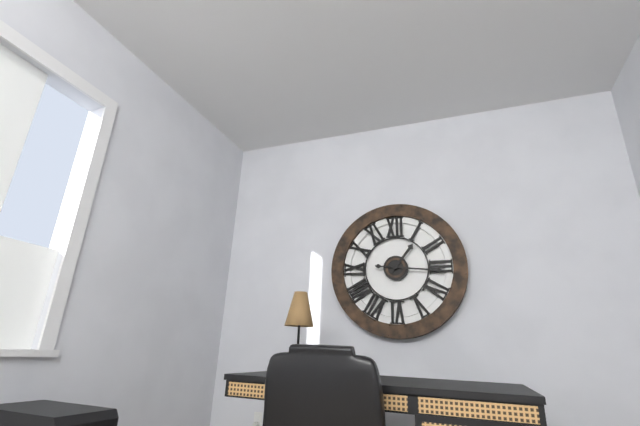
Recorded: 1h16
